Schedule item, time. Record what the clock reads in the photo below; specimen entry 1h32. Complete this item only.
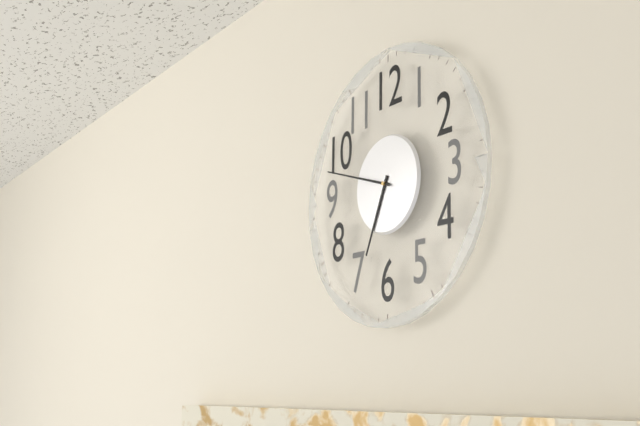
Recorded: 6h48
